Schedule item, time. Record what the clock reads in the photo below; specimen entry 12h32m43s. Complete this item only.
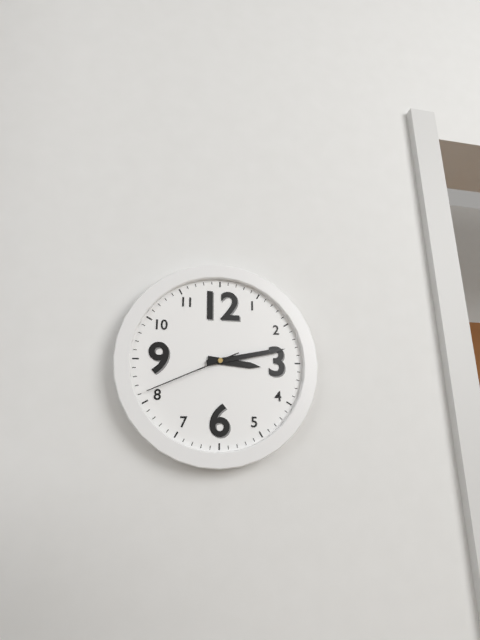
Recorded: 3h13m41s
